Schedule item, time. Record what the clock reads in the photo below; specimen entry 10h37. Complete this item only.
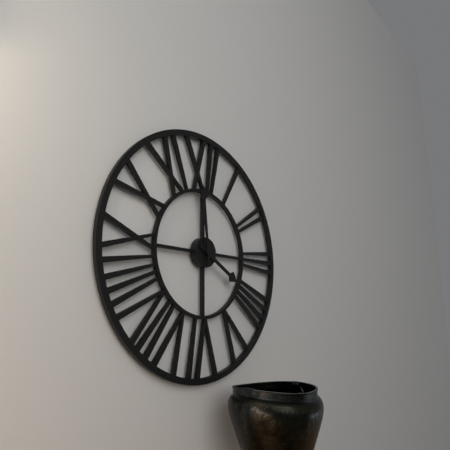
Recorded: 3h59
